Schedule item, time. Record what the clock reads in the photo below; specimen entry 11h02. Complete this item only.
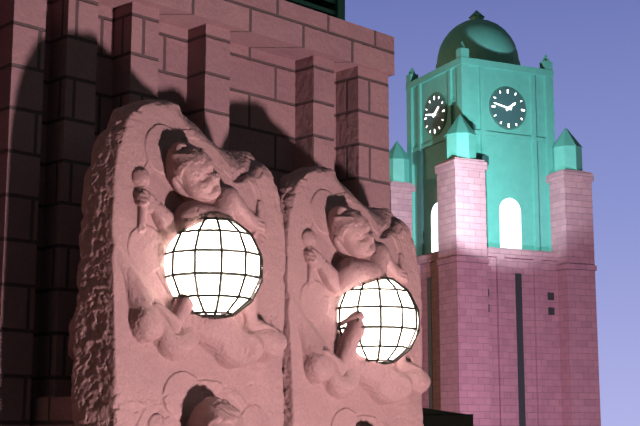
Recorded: 1h47
